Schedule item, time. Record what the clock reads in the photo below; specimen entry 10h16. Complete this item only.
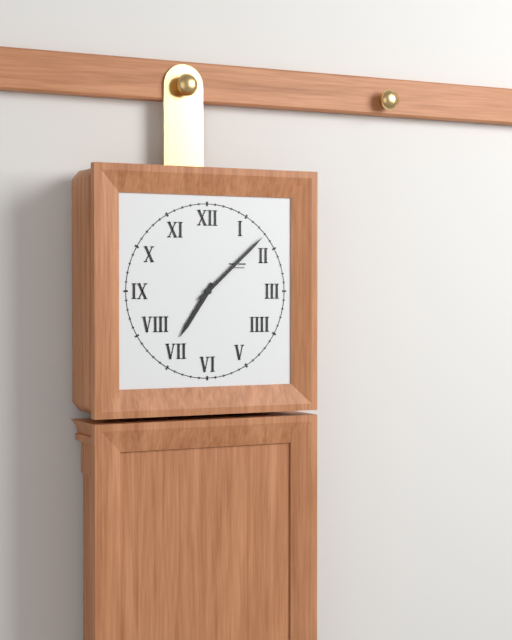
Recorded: 7h08
